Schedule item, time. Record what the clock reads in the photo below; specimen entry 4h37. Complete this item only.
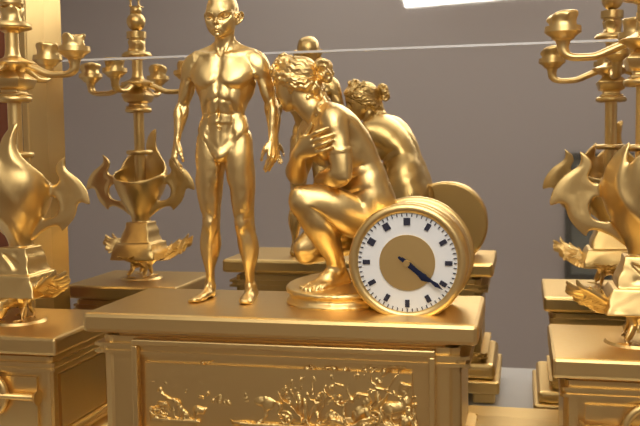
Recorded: 4h21
